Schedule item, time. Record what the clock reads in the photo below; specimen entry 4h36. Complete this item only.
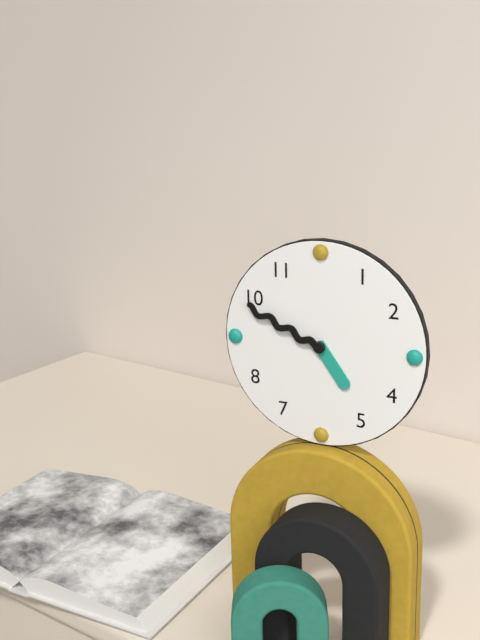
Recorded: 4h49
